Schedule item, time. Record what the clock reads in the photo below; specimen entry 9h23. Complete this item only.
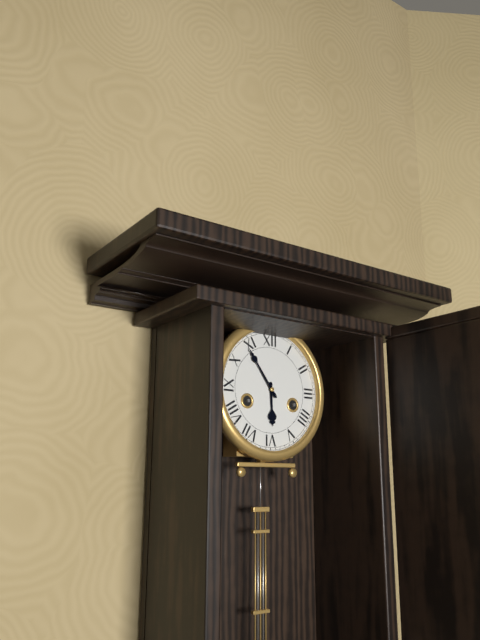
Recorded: 5h54
